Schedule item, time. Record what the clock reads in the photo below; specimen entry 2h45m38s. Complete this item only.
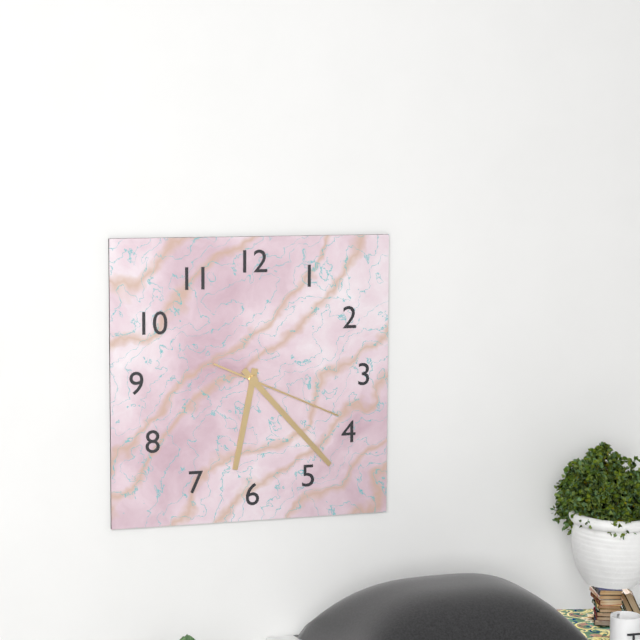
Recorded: 6h23m19s
